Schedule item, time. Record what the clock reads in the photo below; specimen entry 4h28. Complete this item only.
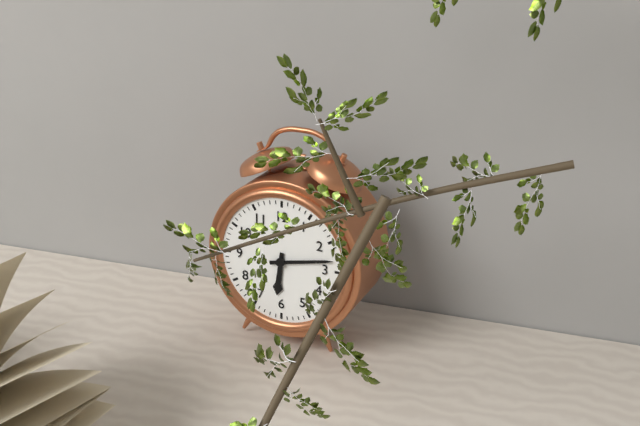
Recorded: 6h13
